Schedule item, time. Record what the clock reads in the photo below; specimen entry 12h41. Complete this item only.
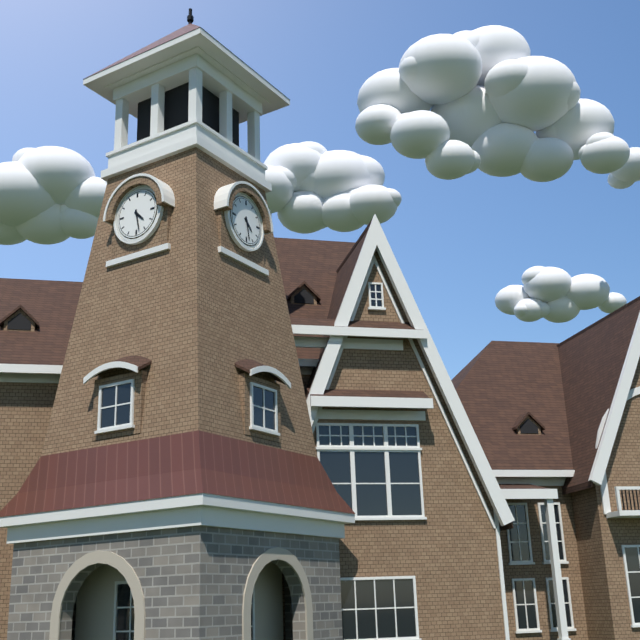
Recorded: 4h28
